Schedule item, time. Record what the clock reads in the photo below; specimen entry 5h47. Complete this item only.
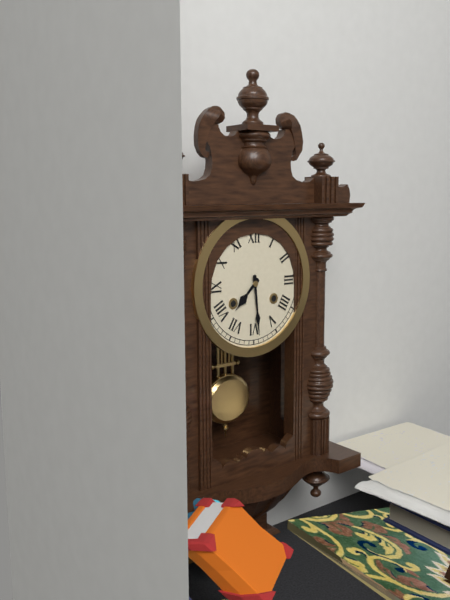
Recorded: 7h29
